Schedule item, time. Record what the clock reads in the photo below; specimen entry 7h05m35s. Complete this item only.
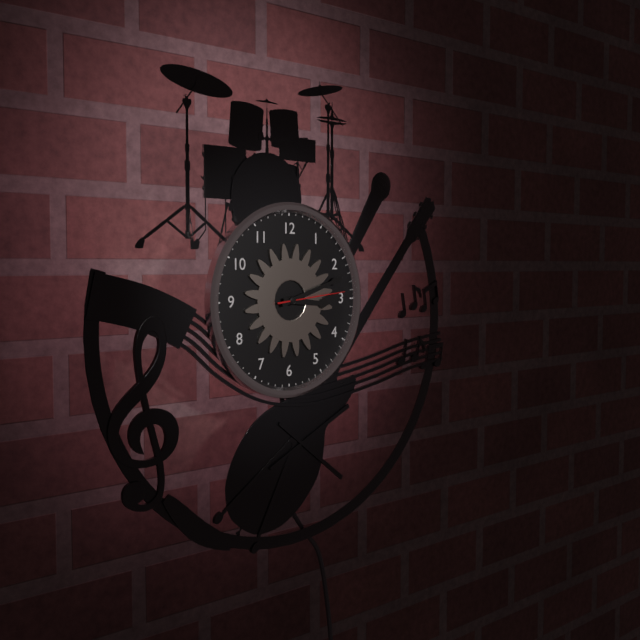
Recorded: 3h12m14s
